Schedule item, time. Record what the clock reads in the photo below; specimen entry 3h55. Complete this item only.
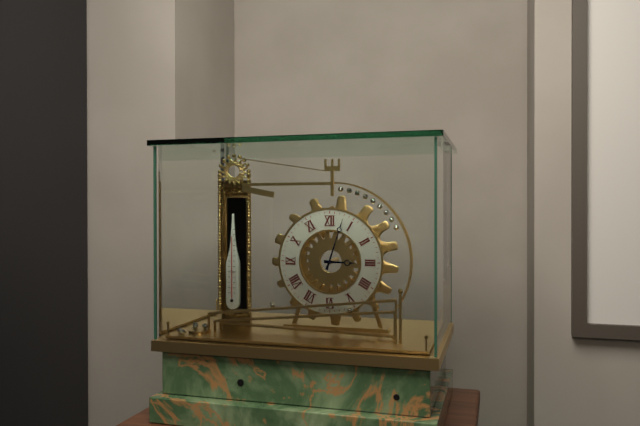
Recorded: 3h03
